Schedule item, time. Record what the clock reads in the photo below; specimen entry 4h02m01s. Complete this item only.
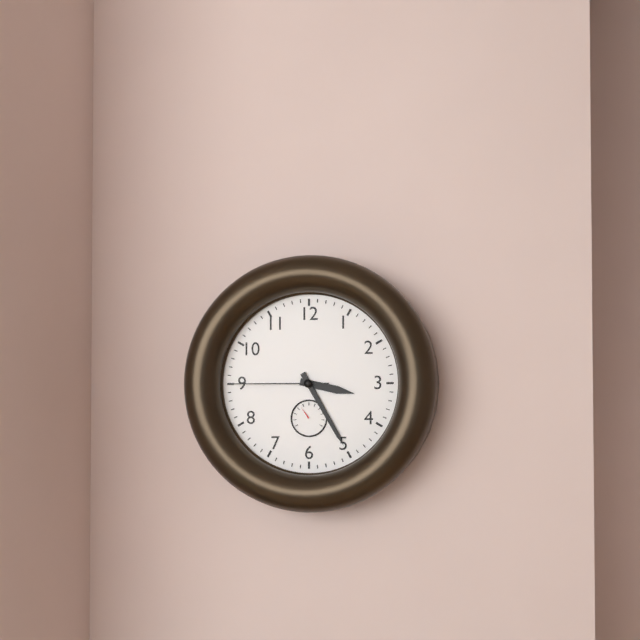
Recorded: 3h25m45s
